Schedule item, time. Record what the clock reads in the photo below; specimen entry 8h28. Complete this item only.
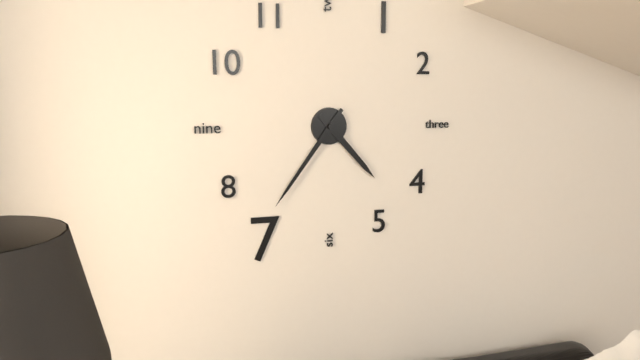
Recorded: 4h36
